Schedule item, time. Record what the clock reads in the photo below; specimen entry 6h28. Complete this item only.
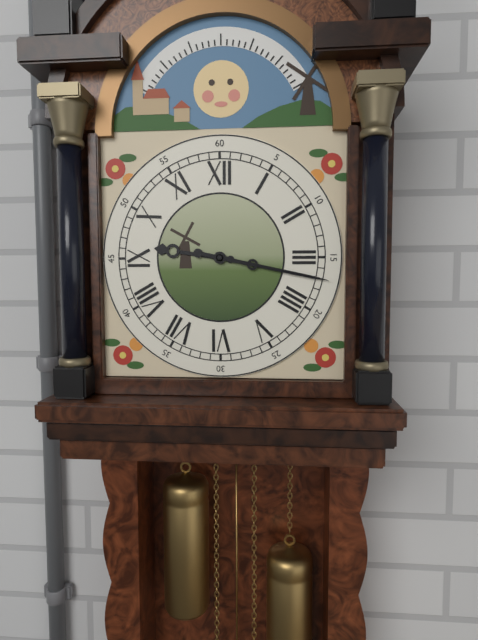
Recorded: 9h17
